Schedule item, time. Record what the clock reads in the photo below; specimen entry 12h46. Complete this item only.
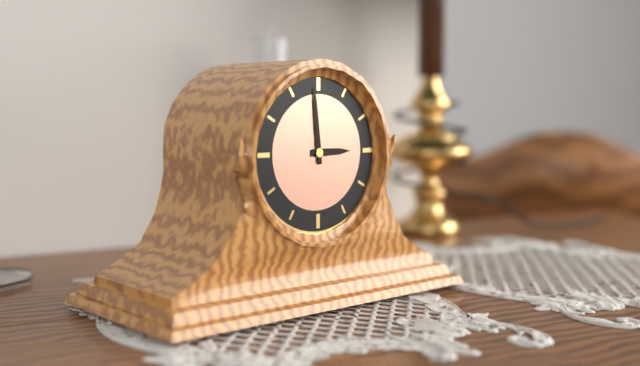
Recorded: 2h59
